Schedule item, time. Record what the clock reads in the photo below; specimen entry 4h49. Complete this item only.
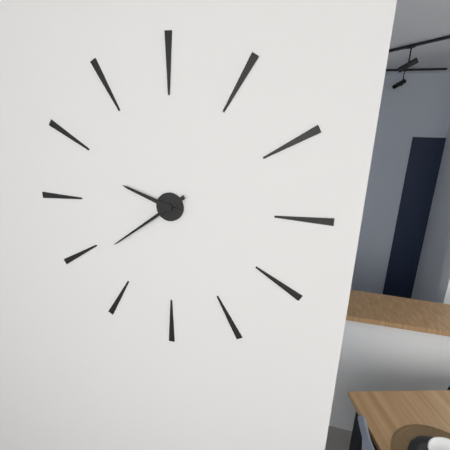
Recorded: 9h39
